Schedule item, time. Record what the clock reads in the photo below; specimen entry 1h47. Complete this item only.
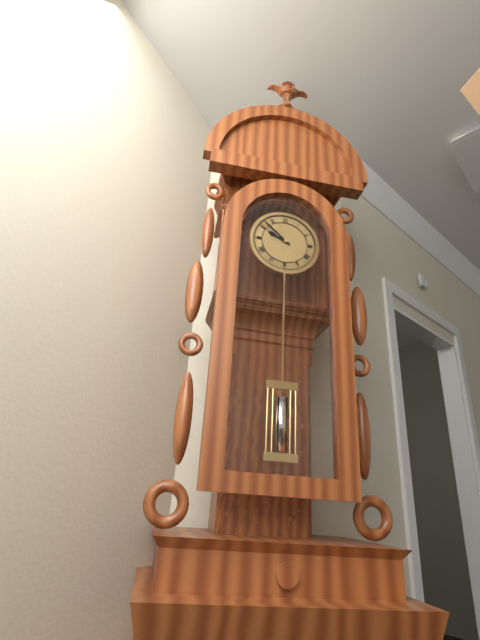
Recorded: 9h52
